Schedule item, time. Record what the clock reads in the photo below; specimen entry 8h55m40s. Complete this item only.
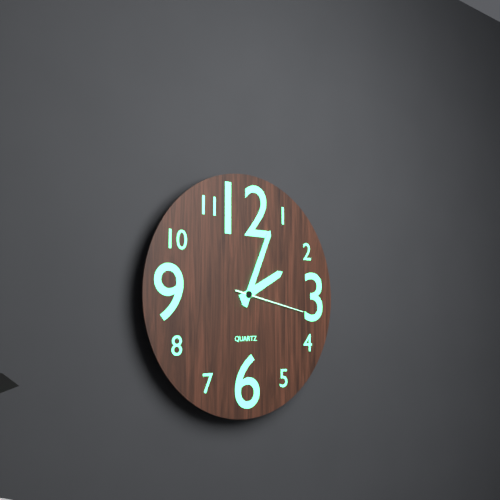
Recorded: 2h04m17s
